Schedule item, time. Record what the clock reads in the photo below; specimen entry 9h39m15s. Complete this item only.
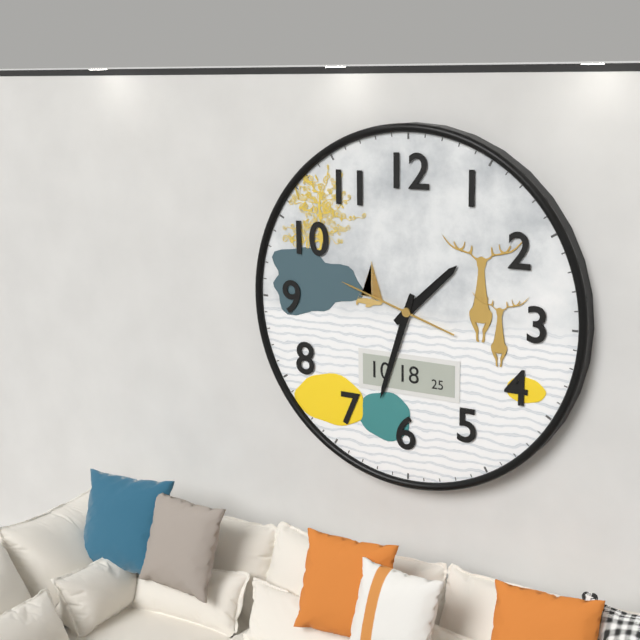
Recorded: 1h33m48s
